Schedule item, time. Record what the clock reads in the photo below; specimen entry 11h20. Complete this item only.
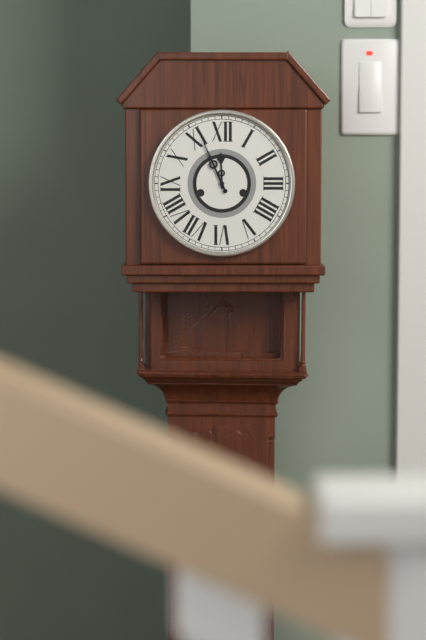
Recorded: 11h56
